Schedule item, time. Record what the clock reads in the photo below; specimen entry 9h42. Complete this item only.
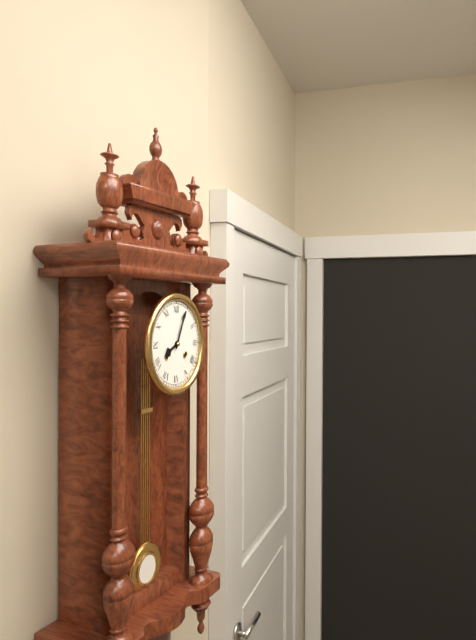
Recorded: 8h04
